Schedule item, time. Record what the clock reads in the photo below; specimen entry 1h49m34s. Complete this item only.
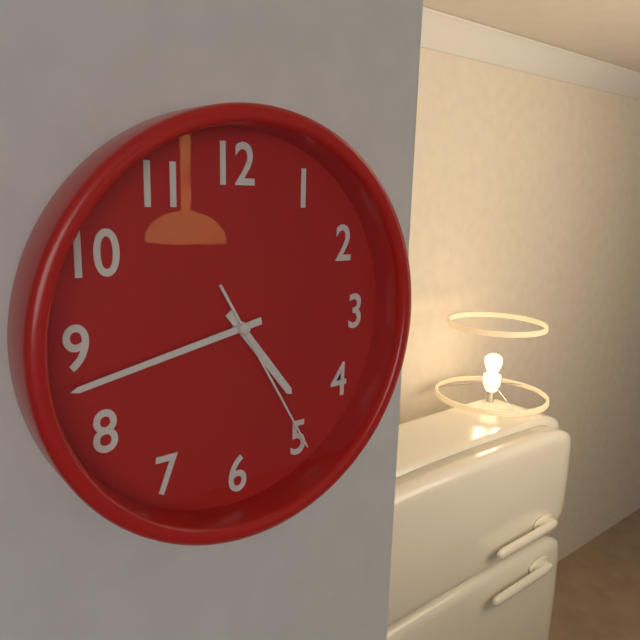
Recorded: 4h43m25s
